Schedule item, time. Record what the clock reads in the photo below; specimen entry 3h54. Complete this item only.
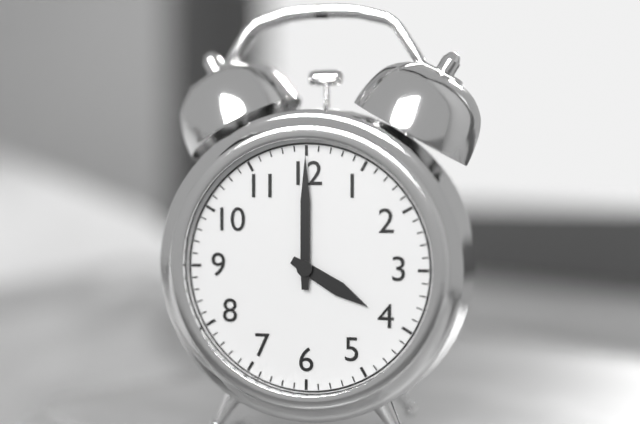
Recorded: 4h00
